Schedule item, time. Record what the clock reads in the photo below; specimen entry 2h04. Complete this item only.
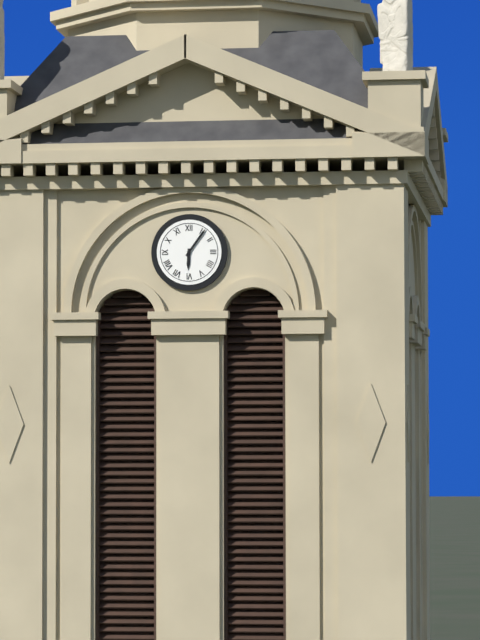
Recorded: 6h06
